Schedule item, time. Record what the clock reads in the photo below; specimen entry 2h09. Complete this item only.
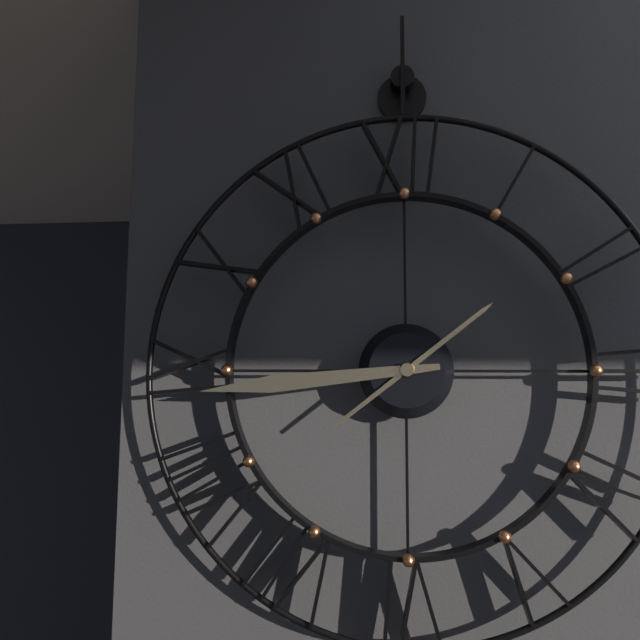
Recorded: 1h44
